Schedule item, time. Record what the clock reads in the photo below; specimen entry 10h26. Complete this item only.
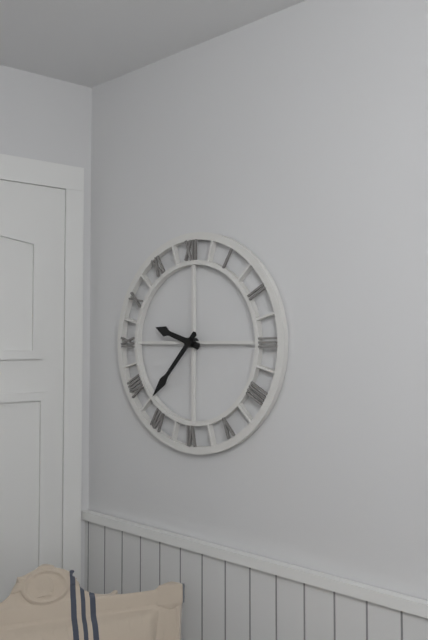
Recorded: 9h37
